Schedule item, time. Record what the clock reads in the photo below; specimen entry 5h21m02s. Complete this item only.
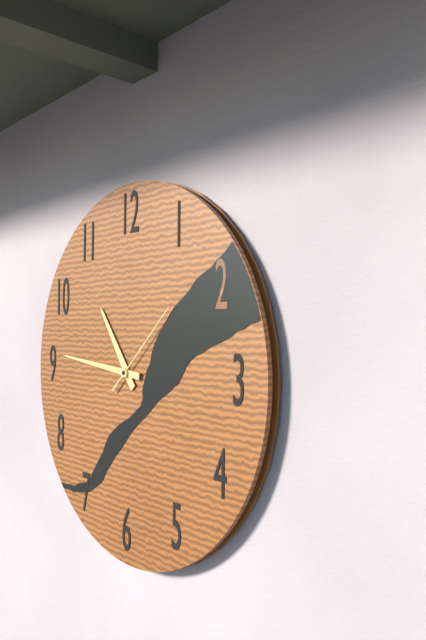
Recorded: 10h46m08s
